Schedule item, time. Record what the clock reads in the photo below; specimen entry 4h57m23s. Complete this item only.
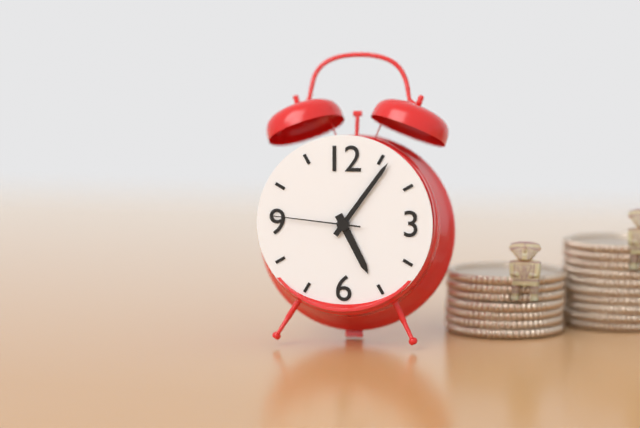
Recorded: 5h06m46s
